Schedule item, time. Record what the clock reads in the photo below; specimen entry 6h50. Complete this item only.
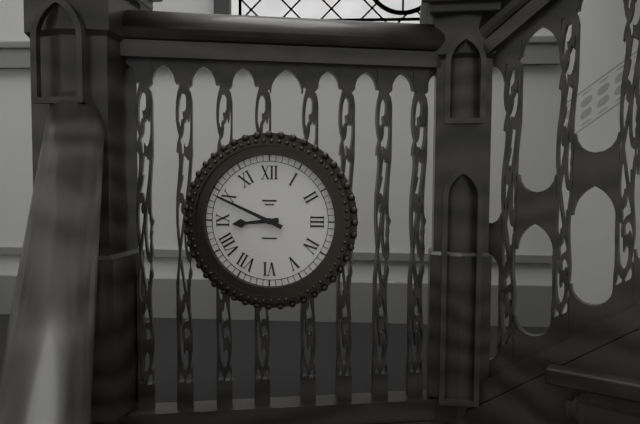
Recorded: 8h49
